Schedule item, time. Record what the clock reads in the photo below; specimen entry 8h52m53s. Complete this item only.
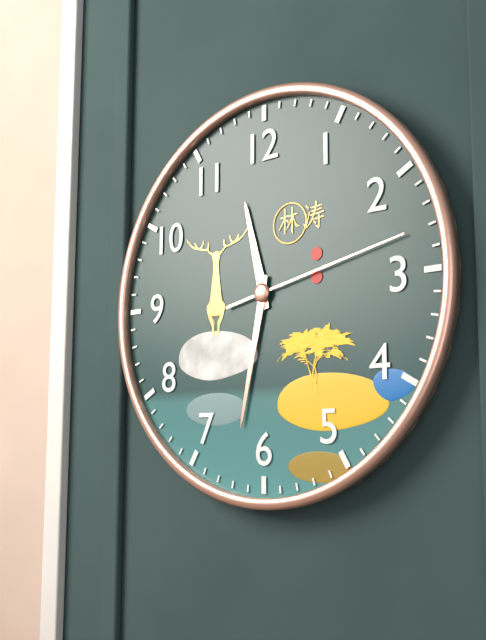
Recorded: 11h32m13s
